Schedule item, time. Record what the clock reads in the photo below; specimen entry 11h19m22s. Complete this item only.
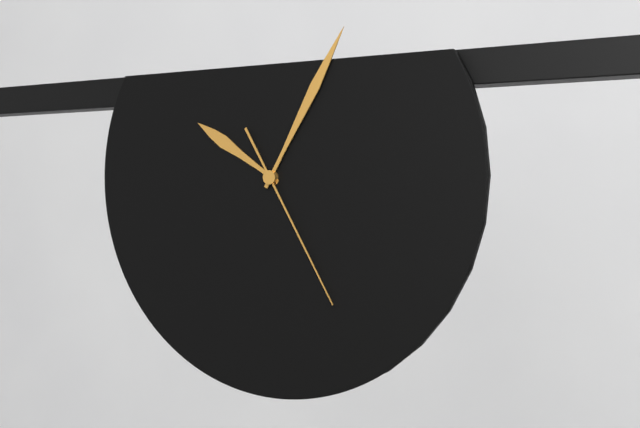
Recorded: 10h05m25s
